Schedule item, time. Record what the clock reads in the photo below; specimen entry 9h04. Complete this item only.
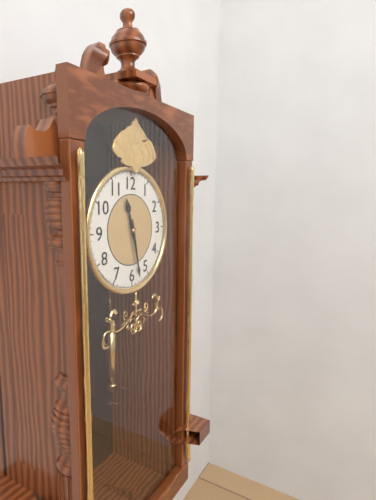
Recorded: 11h28
